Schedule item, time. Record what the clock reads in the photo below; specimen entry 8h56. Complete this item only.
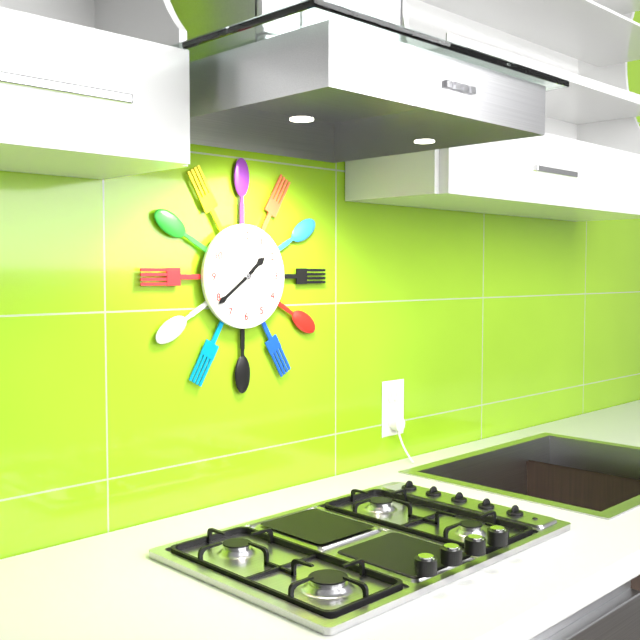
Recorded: 1h39
